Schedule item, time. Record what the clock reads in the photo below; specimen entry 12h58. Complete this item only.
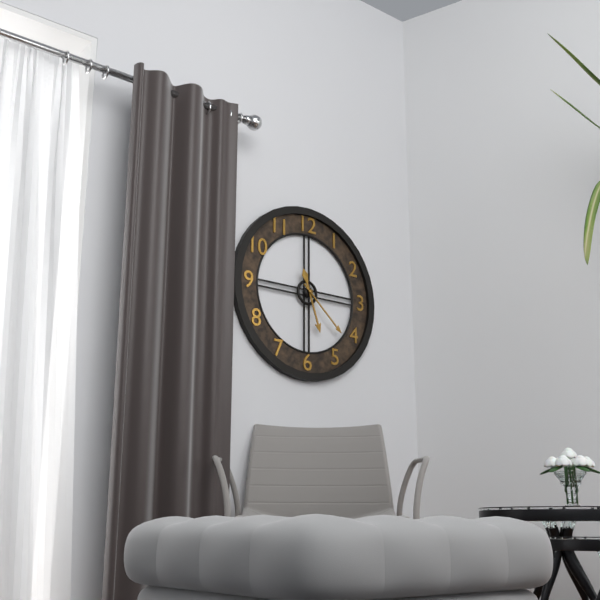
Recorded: 5h22
